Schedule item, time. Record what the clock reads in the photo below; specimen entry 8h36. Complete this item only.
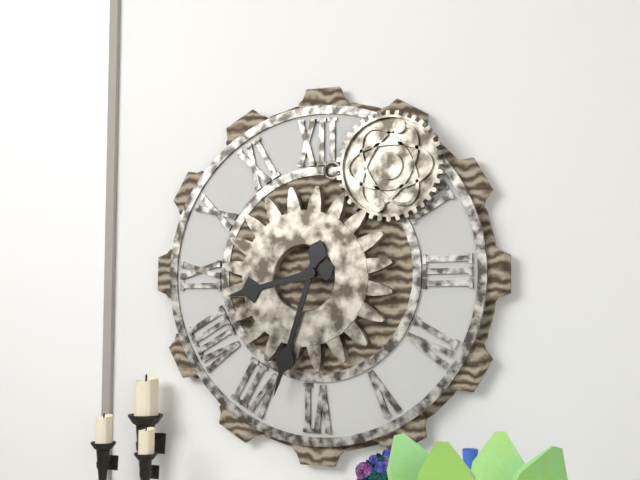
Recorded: 8h33
